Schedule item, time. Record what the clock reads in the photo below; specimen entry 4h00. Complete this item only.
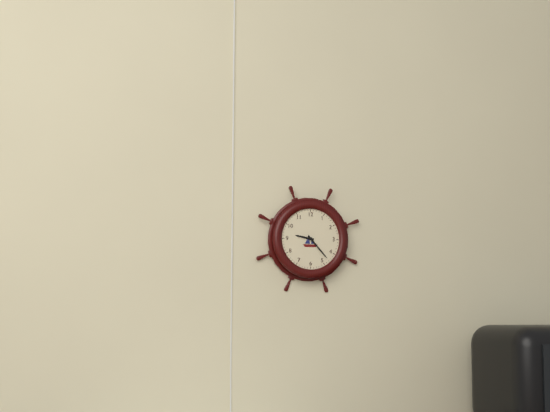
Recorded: 9h23
